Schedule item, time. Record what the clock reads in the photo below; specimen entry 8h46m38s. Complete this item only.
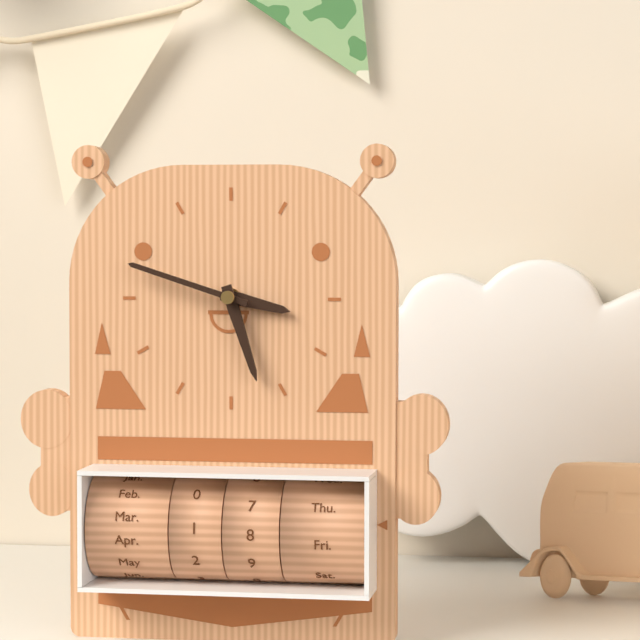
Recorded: 3h27m48s
